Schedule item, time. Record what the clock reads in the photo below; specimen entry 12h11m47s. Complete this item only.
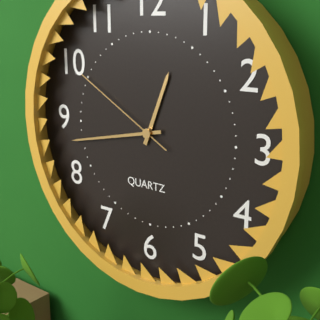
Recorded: 12h43m50s
